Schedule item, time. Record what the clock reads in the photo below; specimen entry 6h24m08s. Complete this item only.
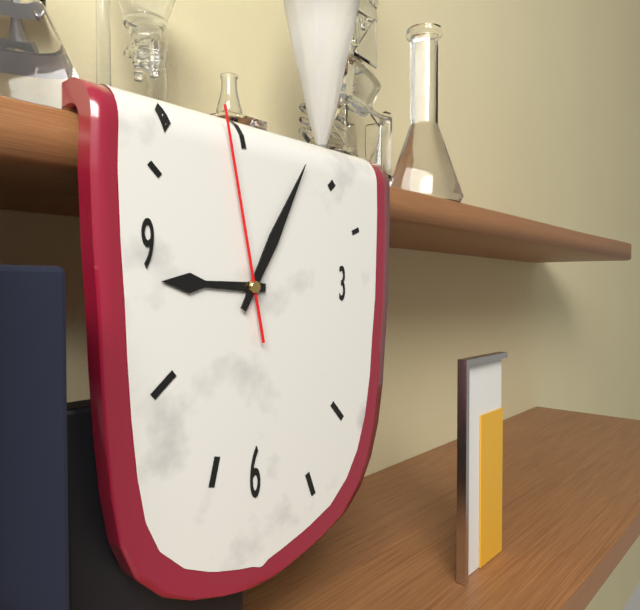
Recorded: 9h05m58s
